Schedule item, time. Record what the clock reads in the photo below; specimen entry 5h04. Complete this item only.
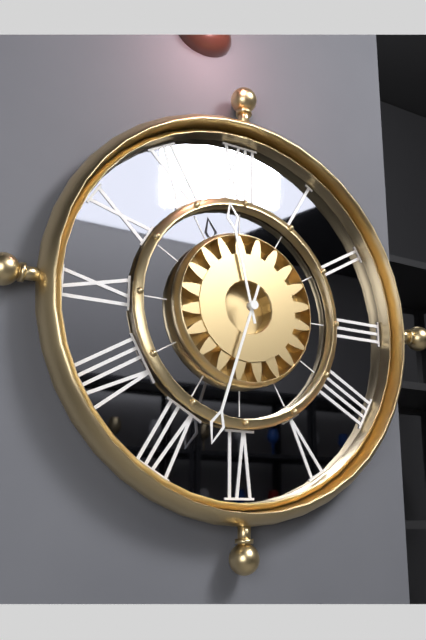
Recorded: 11h33
